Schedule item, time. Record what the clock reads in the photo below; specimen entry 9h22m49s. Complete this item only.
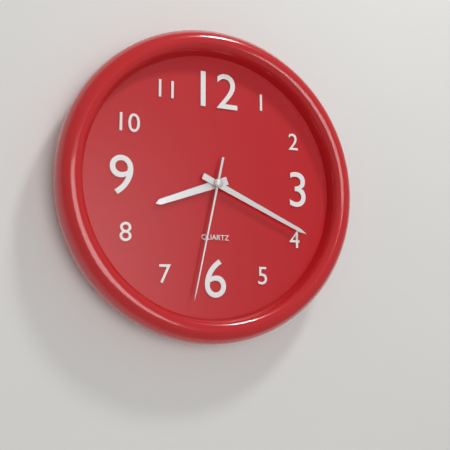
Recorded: 8h19m32s
